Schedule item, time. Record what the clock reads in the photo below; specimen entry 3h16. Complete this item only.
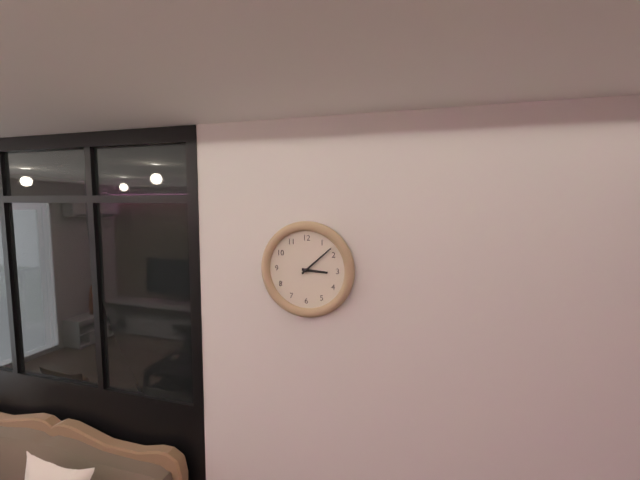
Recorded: 3h08
